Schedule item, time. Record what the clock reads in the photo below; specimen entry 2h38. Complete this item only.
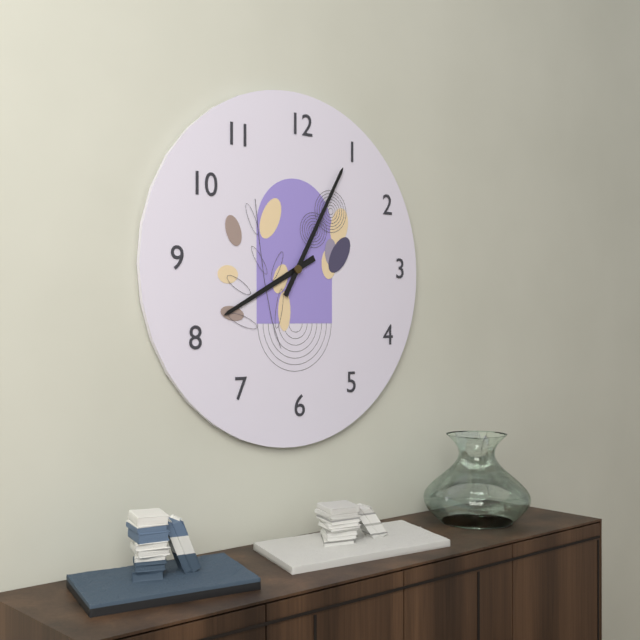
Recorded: 8h05
